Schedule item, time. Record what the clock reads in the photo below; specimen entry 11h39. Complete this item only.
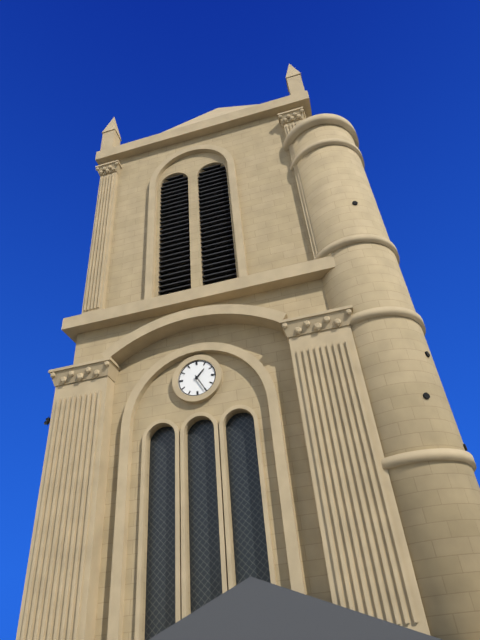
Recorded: 1h25
